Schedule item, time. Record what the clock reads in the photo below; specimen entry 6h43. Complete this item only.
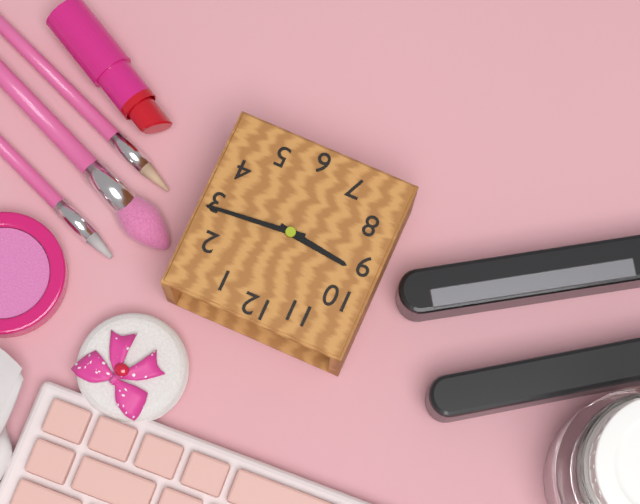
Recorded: 9h14
